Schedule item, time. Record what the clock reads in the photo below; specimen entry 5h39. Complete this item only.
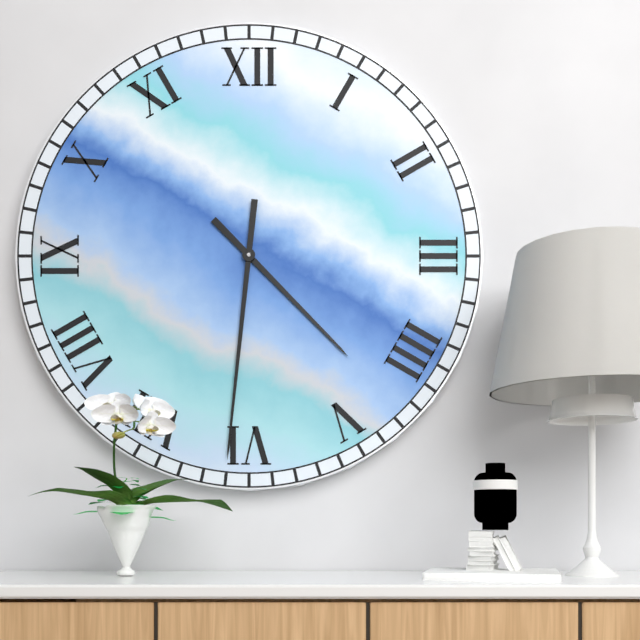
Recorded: 4h31
